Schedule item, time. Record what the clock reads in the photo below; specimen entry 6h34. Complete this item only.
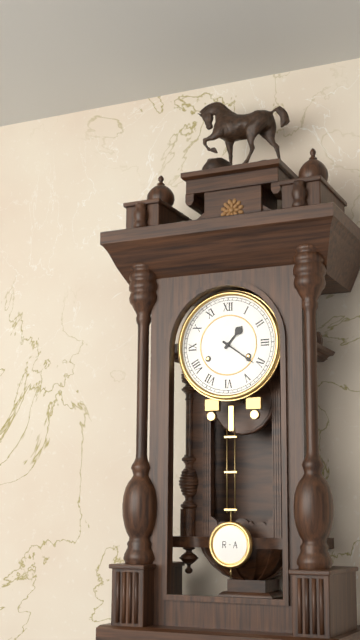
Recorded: 1h21
